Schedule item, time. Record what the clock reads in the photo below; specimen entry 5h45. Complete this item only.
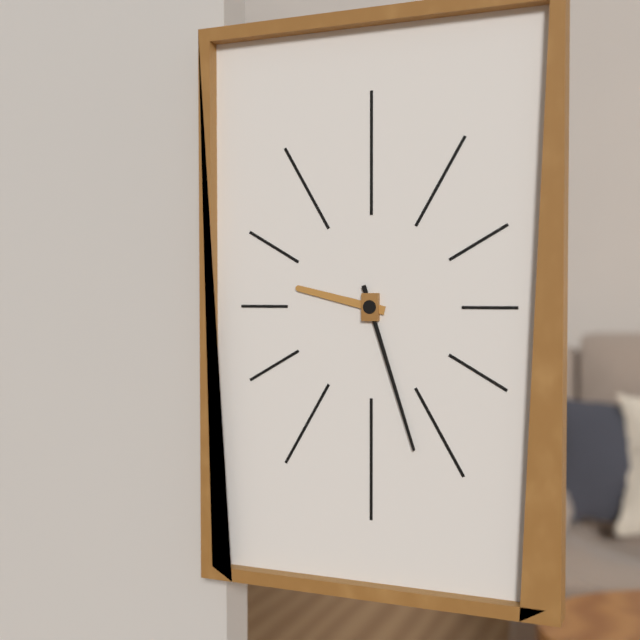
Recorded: 9h27
